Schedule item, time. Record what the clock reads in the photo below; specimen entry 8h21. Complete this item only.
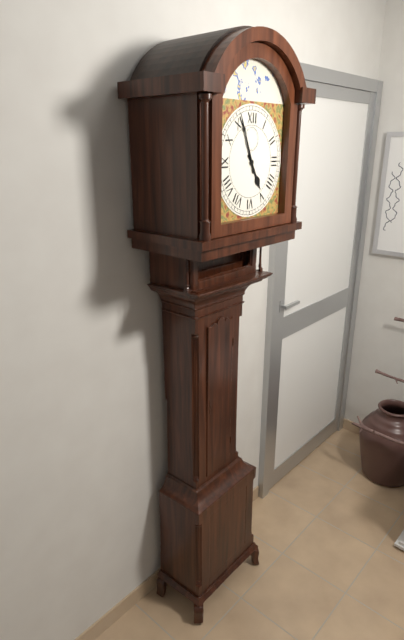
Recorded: 4h56
